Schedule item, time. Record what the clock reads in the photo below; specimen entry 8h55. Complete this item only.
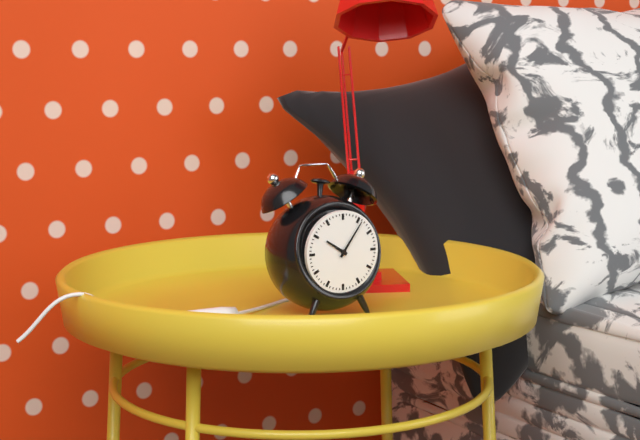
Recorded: 10h06
